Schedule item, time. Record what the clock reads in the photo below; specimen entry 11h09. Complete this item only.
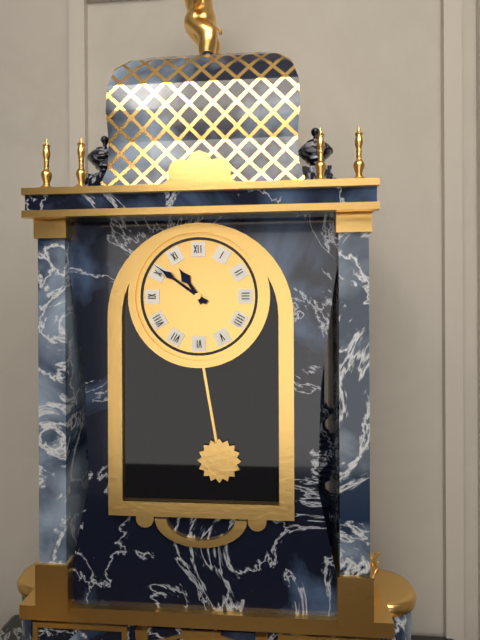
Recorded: 10h51
